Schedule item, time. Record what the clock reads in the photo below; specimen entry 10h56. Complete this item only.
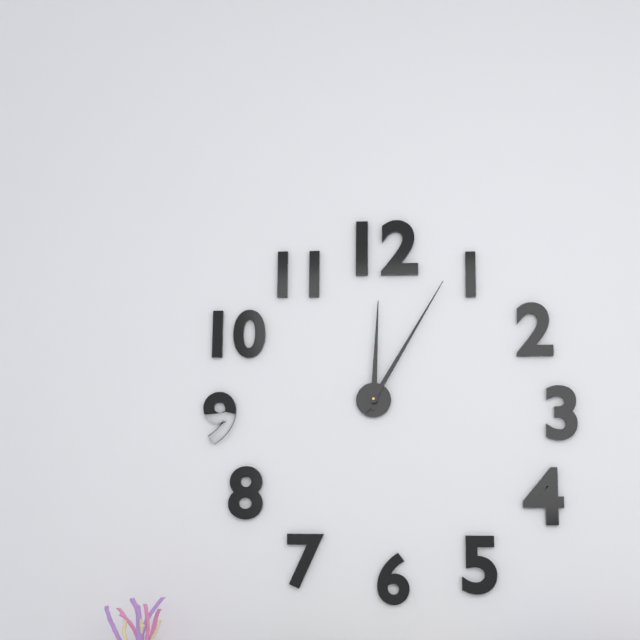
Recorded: 12h05
